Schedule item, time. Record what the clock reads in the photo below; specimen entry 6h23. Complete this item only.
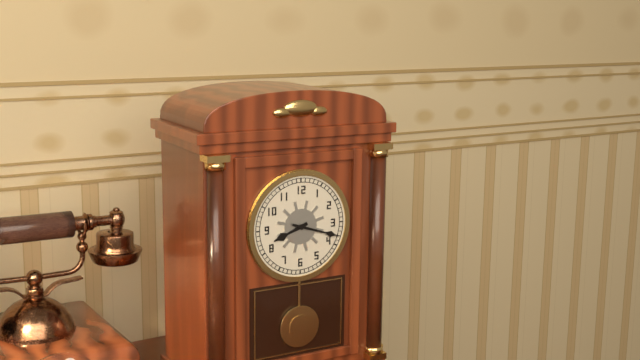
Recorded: 8h18
